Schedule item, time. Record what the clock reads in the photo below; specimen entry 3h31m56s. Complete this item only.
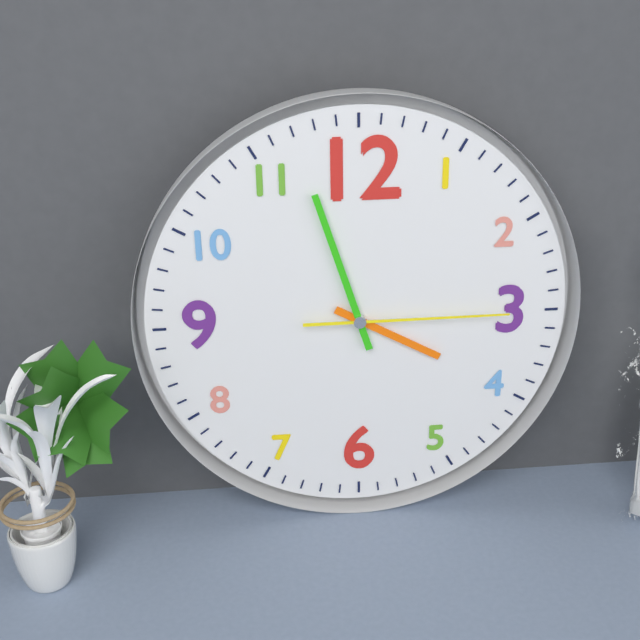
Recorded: 3h57m15s
